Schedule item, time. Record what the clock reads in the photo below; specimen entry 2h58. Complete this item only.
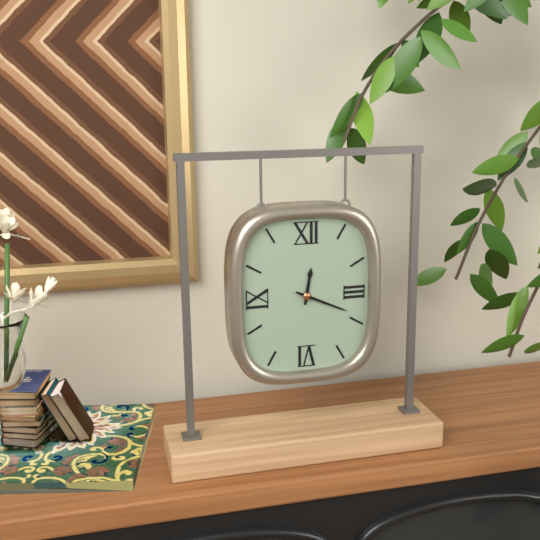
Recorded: 12h19
